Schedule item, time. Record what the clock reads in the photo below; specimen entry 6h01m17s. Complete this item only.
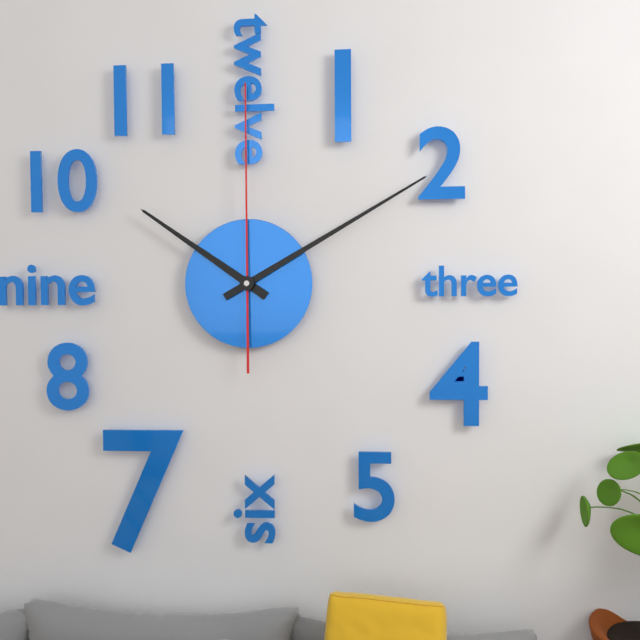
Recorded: 10h10m00s
